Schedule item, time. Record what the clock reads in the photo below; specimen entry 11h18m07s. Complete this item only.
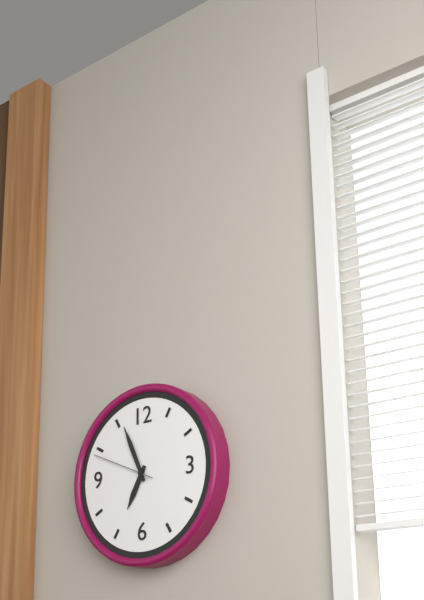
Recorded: 6h56m49s
